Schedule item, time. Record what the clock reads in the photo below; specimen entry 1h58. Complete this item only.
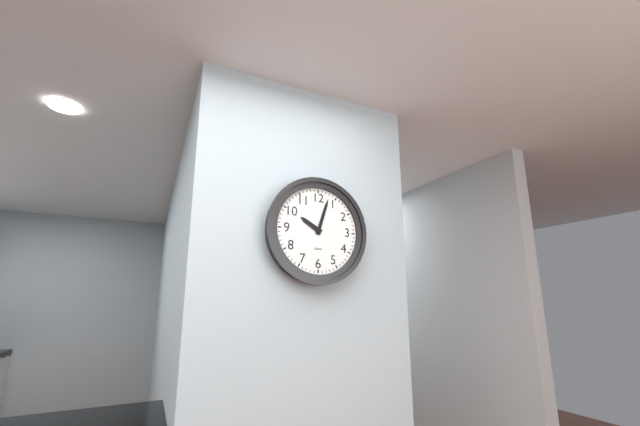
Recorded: 10h03
